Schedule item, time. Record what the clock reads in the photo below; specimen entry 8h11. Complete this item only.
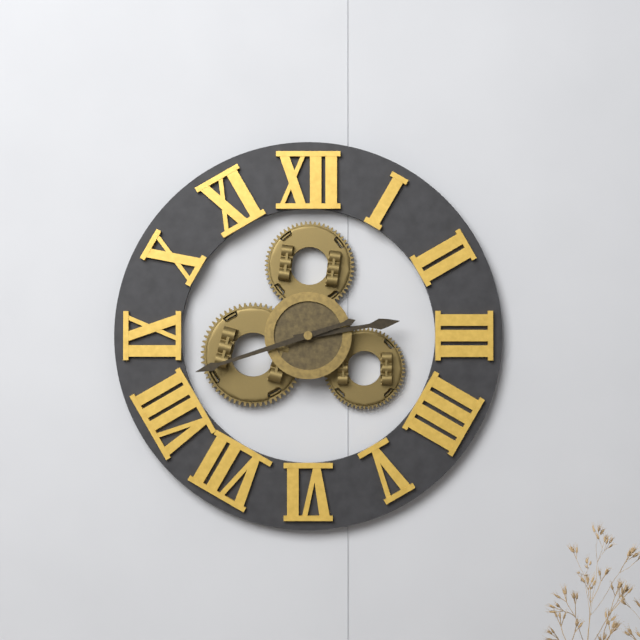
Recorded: 2h42
